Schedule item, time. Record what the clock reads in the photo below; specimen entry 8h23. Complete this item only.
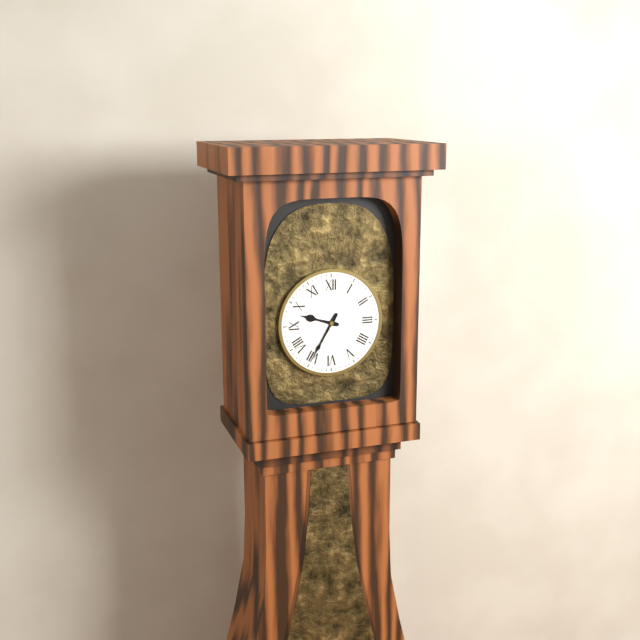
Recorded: 9h35
